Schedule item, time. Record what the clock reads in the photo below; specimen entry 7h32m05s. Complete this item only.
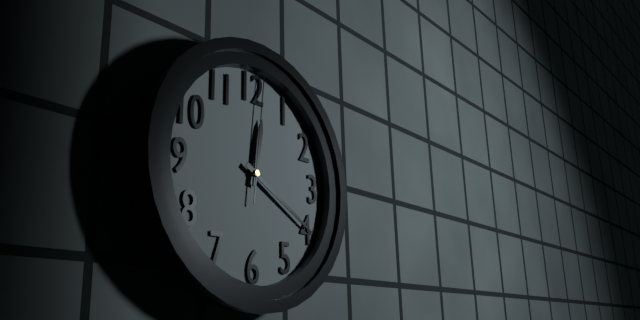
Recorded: 12h20m01s
